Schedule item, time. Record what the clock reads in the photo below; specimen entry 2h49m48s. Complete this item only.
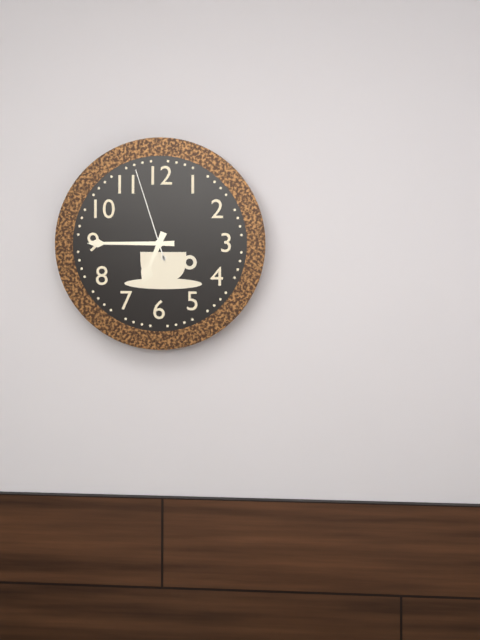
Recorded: 6h45m57s
